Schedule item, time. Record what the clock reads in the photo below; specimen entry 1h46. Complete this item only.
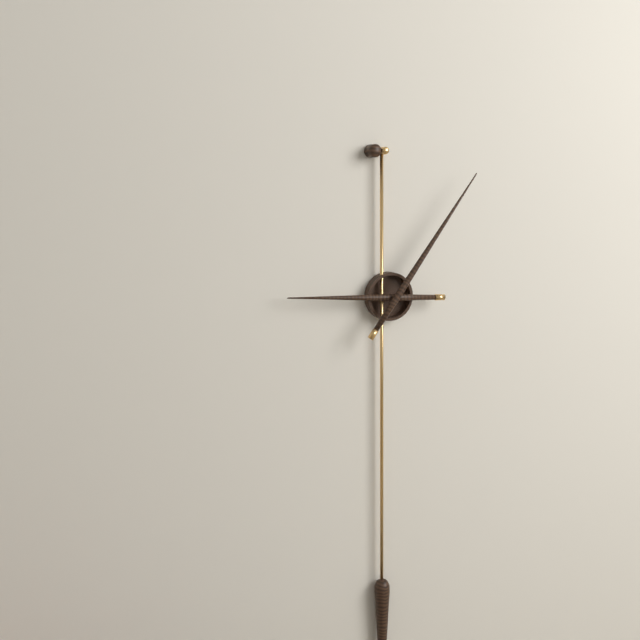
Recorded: 9h06
